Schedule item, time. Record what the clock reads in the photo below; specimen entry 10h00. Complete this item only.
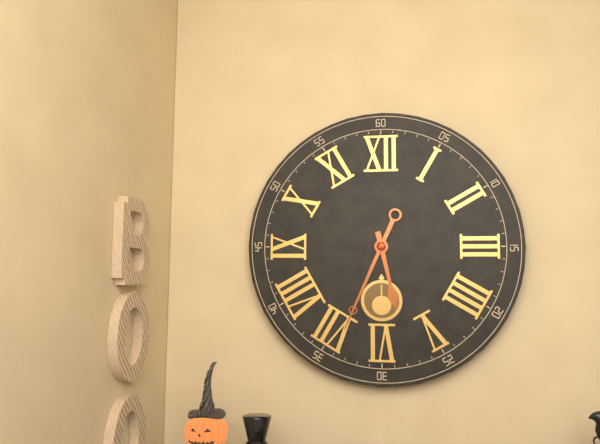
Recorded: 5h34
